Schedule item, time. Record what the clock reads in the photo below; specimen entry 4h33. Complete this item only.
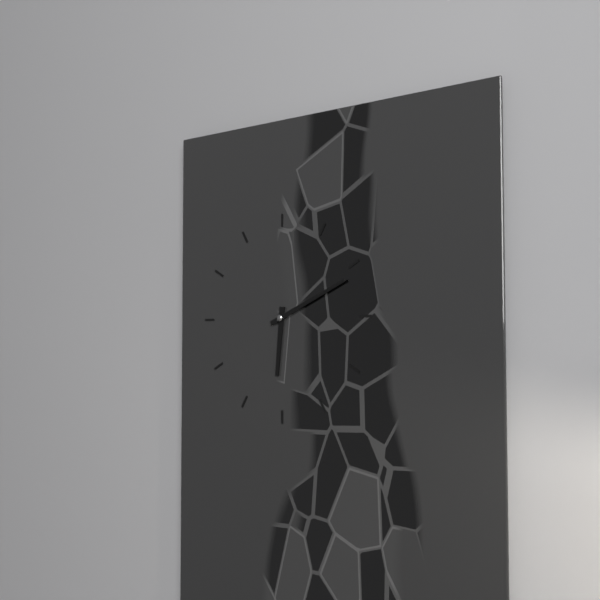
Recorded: 6h11
